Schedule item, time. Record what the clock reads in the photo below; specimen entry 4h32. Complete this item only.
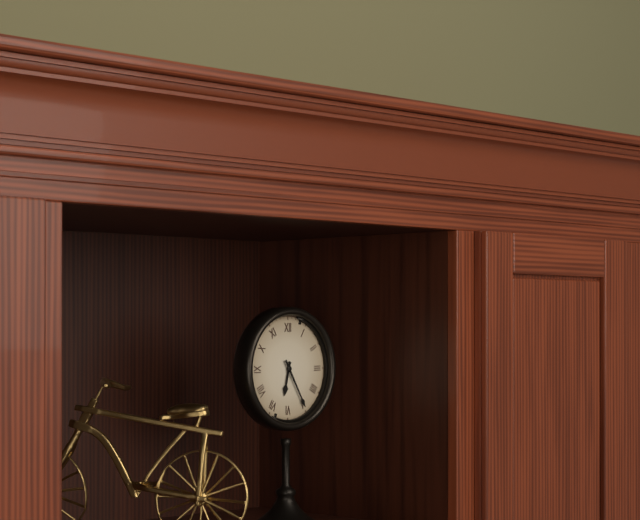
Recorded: 6h25
